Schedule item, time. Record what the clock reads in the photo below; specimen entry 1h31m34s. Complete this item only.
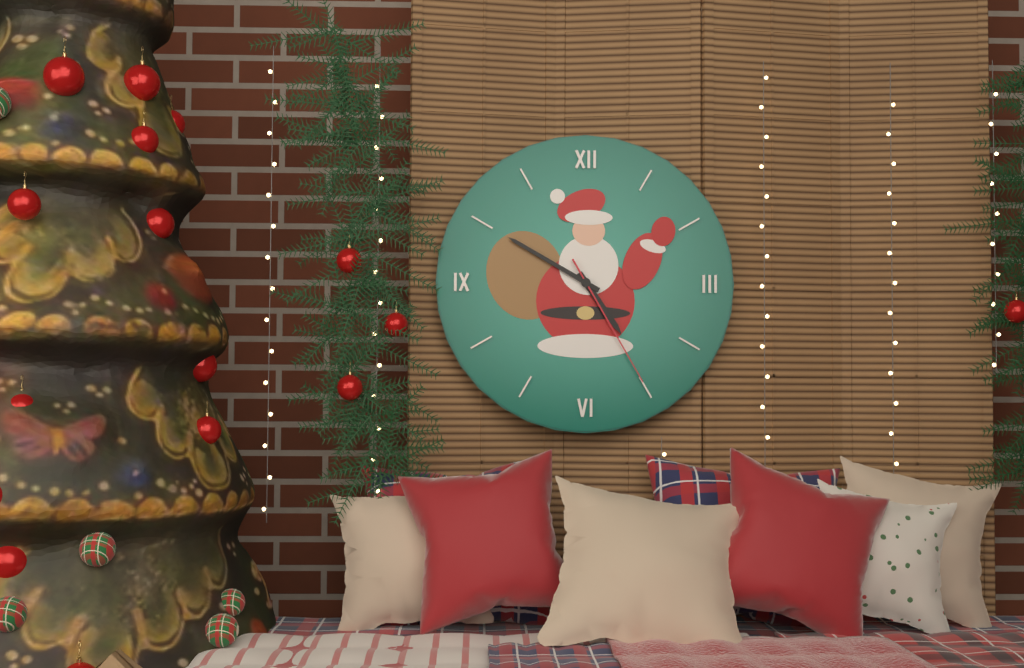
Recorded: 4h50m25s
